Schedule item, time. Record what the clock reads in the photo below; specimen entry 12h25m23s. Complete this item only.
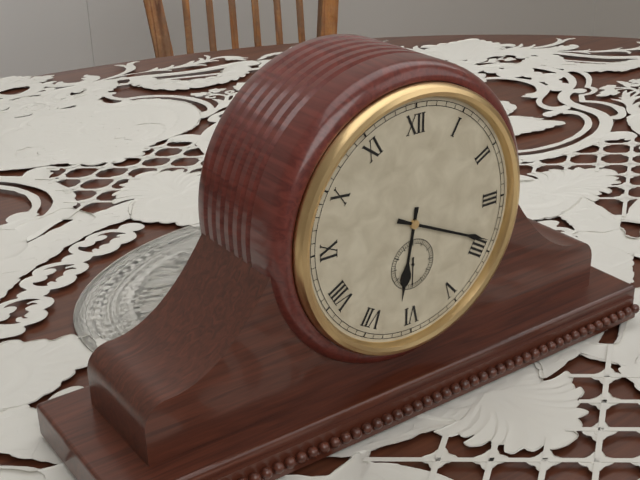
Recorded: 6h19m30s
